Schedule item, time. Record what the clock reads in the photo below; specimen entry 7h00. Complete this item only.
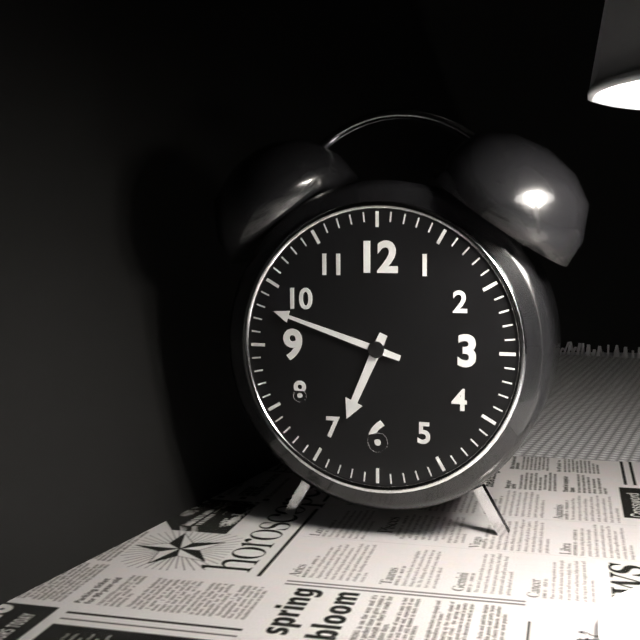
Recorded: 6h48
